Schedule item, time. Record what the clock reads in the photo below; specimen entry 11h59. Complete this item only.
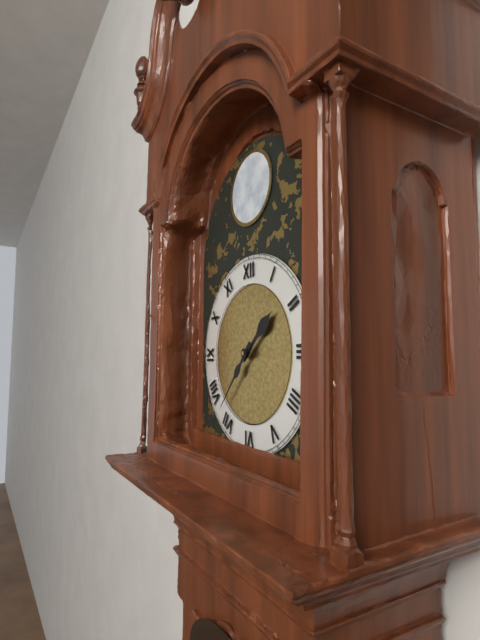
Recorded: 1h37
